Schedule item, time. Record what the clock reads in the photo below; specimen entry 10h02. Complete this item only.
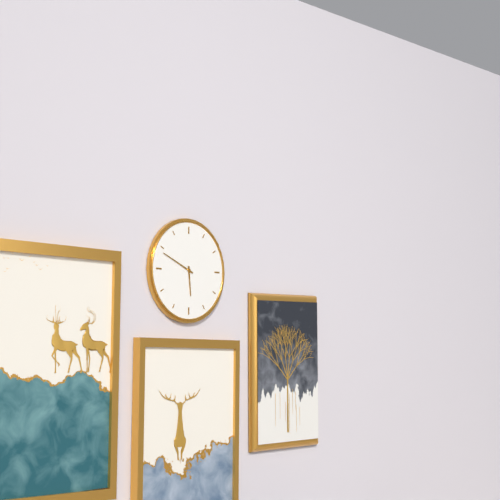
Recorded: 5h49
